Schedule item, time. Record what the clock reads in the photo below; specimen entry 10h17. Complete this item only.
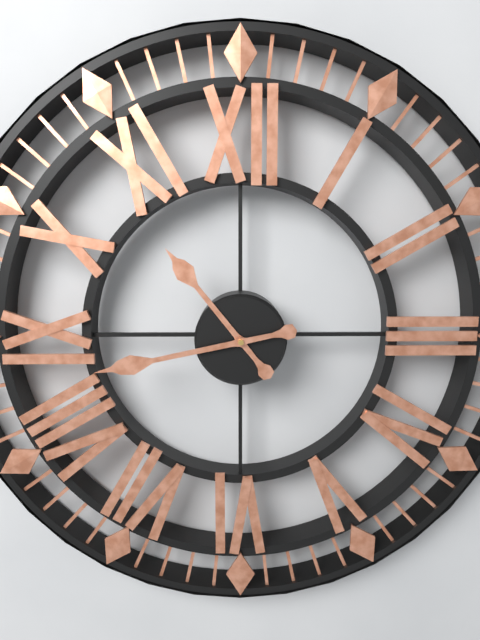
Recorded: 10h43
